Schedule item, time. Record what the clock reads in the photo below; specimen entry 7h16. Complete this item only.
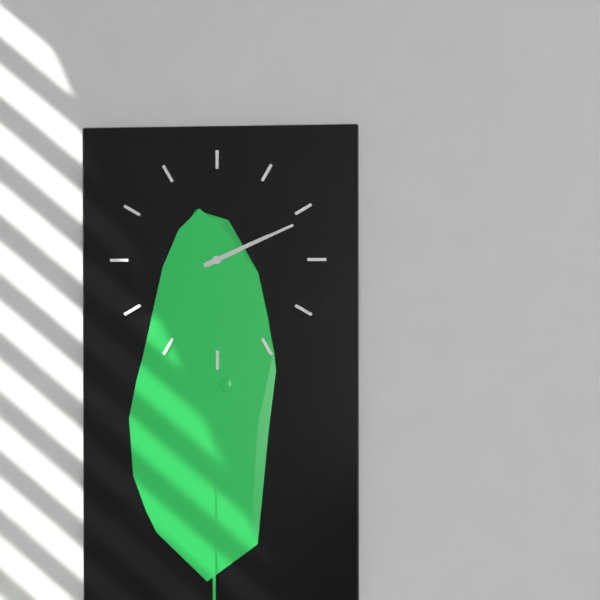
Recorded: 2h11
